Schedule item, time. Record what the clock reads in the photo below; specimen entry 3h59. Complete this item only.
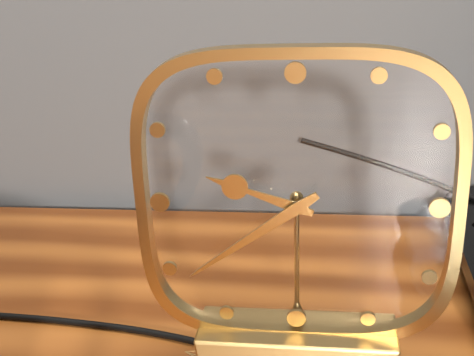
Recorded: 9h39
